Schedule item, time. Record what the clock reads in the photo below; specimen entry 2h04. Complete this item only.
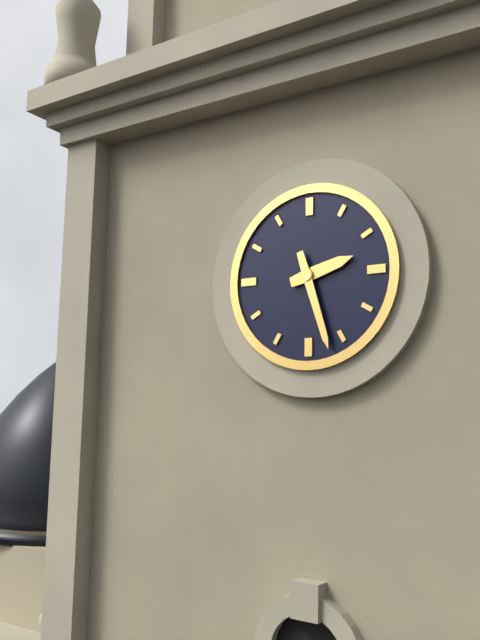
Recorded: 2h27
